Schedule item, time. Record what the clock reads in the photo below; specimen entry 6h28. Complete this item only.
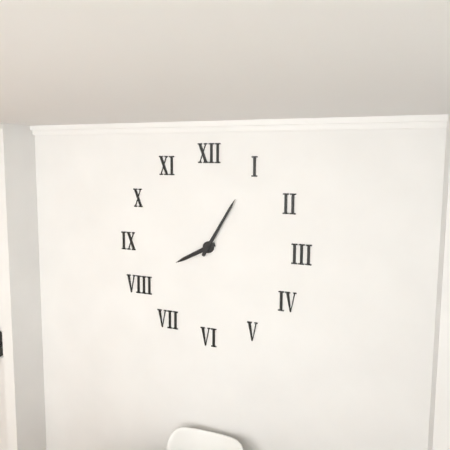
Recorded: 8h05
